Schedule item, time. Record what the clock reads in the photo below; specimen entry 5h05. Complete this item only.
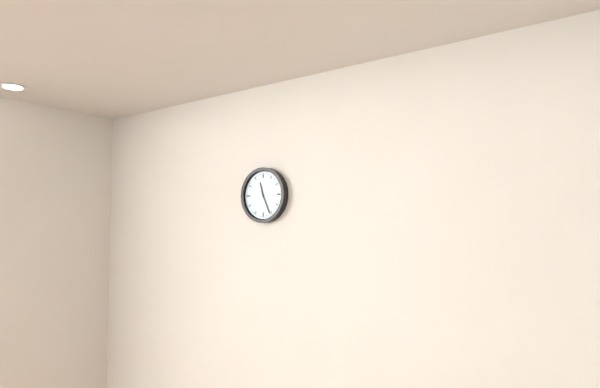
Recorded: 11h26
